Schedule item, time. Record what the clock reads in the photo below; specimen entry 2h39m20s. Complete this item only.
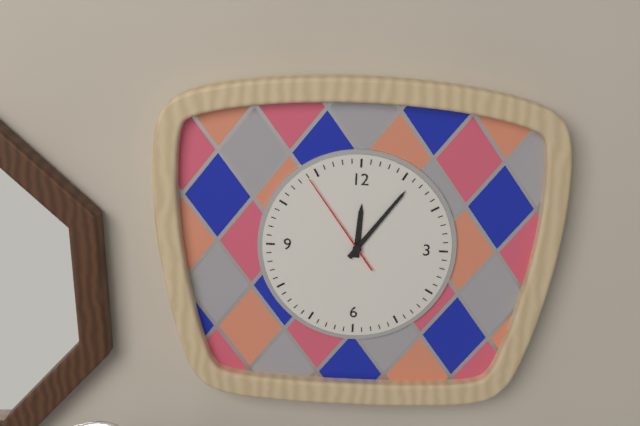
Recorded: 12h06m54s
